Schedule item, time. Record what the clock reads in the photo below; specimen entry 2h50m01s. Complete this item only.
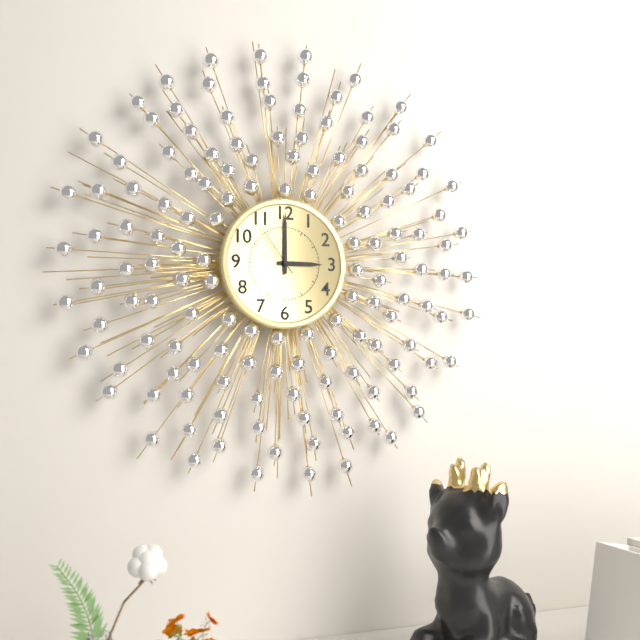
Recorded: 3h00m54s
